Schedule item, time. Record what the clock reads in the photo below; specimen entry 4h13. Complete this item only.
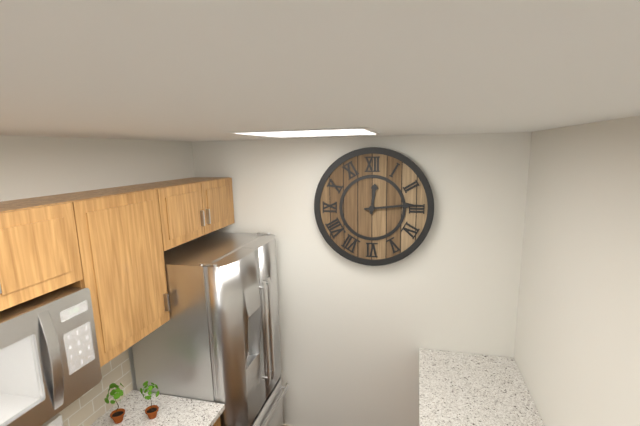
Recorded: 12h14
